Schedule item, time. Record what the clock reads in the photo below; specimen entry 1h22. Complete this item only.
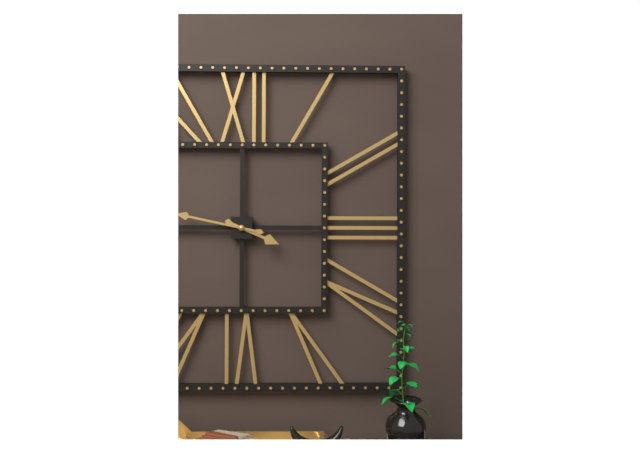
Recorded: 3h47
